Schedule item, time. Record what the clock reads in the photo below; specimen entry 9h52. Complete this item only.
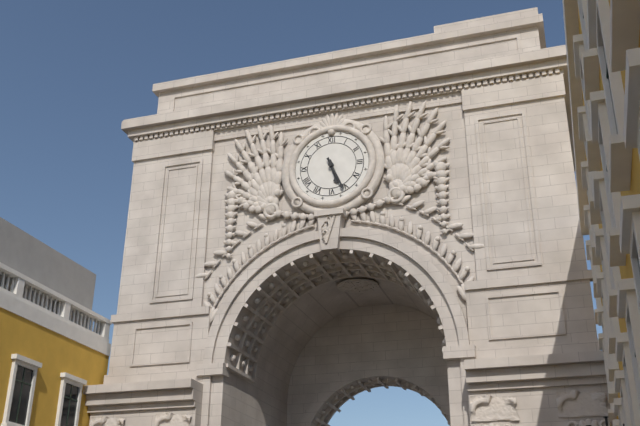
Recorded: 5h26
